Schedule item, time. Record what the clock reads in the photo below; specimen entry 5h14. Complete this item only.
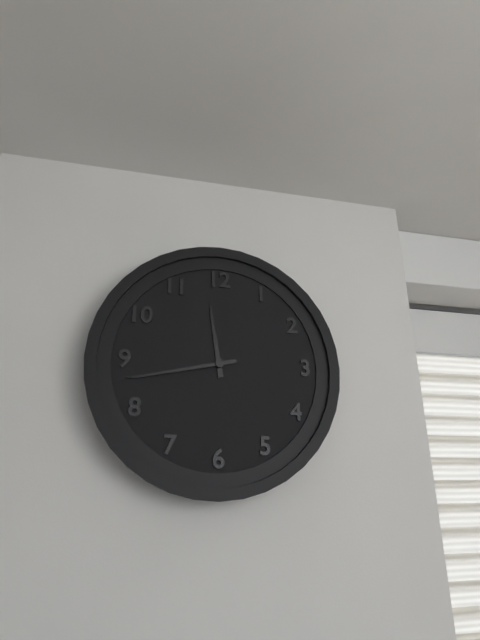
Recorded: 11h43
